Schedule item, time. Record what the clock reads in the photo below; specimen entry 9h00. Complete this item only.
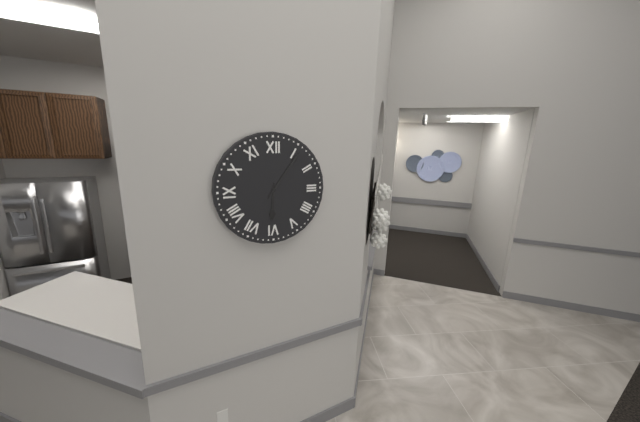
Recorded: 6h06
